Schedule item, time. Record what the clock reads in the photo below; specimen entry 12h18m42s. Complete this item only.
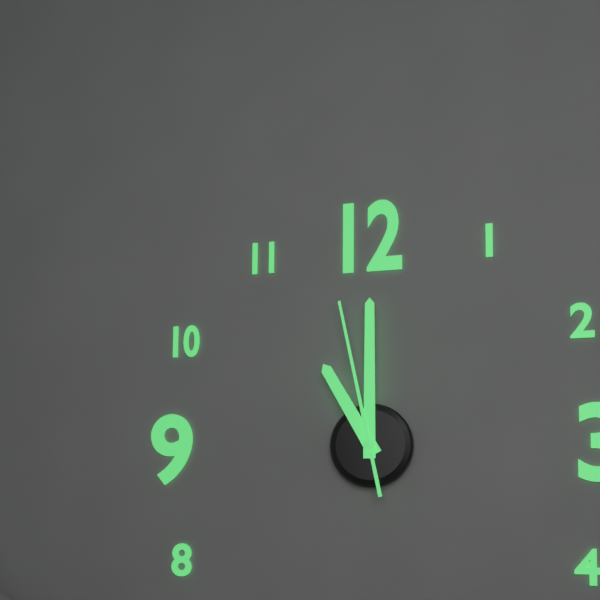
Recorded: 11h00m58s
